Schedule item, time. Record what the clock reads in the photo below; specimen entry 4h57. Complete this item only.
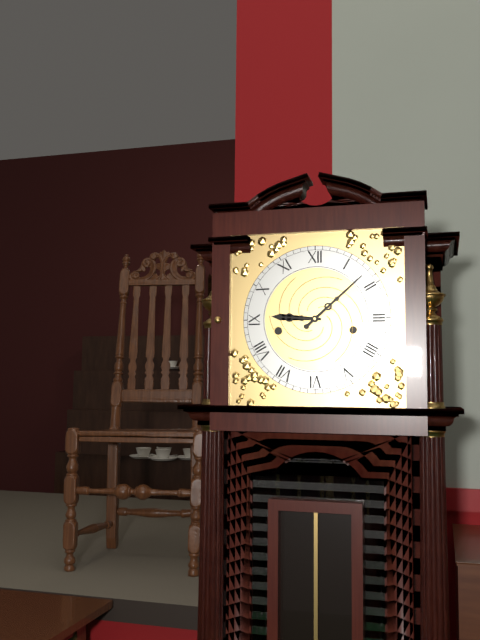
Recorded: 9h08
